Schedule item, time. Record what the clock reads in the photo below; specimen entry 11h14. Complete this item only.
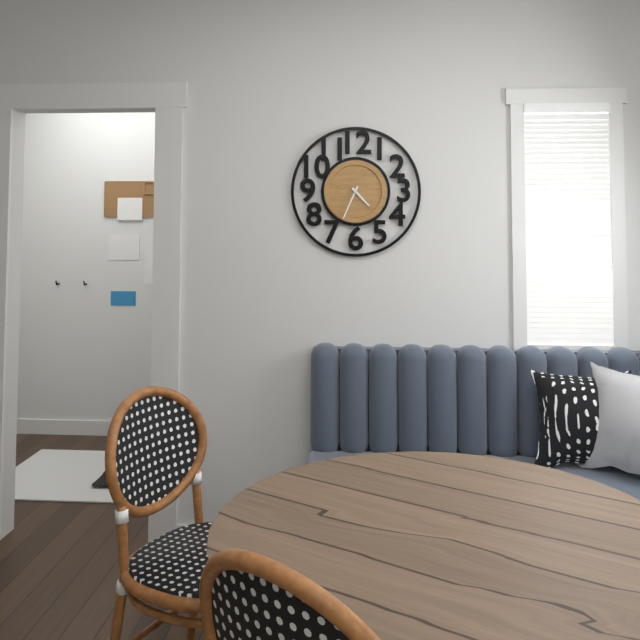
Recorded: 4h34
